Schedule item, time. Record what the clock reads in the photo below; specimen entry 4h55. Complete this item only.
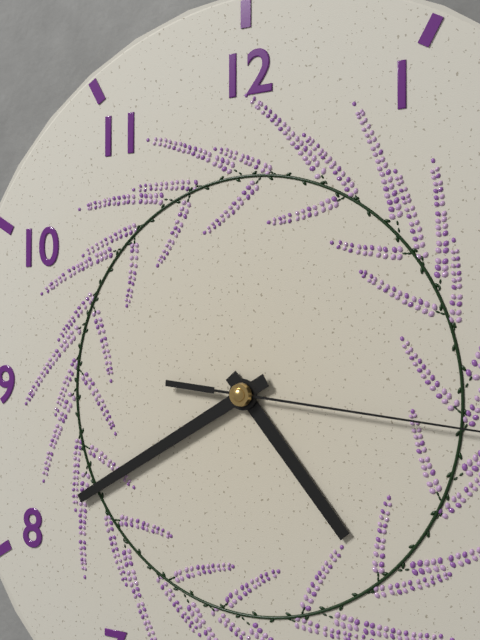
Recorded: 4h40
